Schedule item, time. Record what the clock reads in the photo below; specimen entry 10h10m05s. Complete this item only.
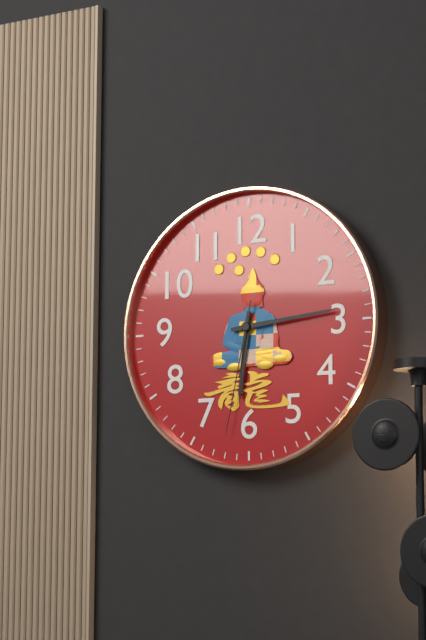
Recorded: 6h14m32s
